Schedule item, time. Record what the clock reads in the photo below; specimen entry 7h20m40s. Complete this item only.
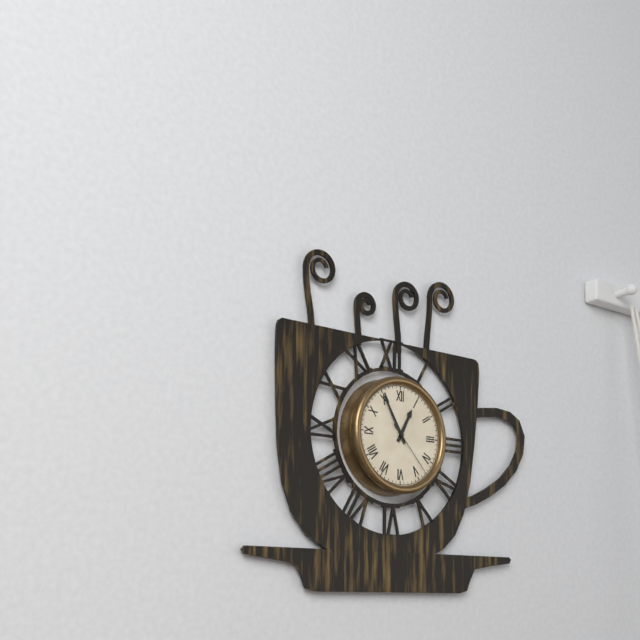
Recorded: 12h55m23s
